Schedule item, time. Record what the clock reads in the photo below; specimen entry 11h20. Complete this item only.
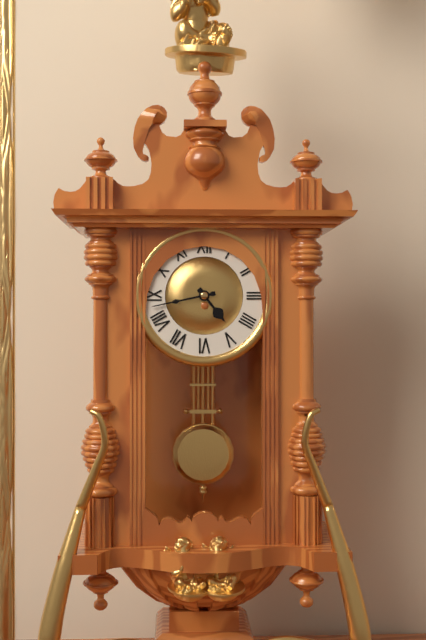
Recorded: 4h43
